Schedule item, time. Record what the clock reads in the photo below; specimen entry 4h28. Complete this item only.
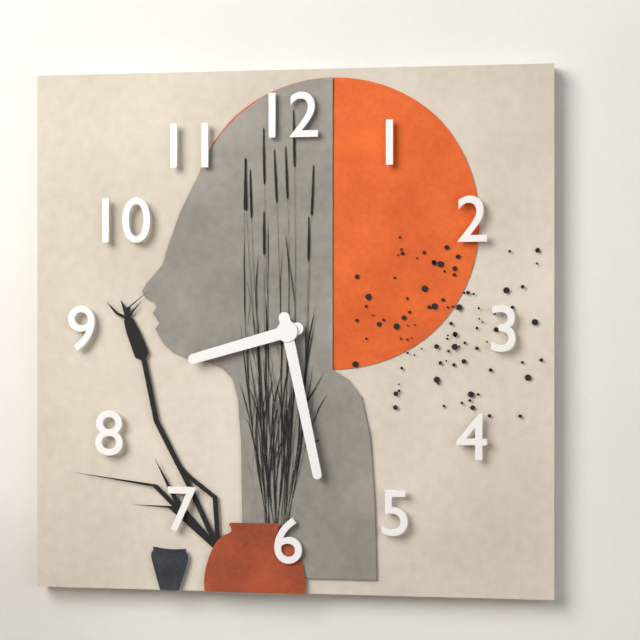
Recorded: 8h28
